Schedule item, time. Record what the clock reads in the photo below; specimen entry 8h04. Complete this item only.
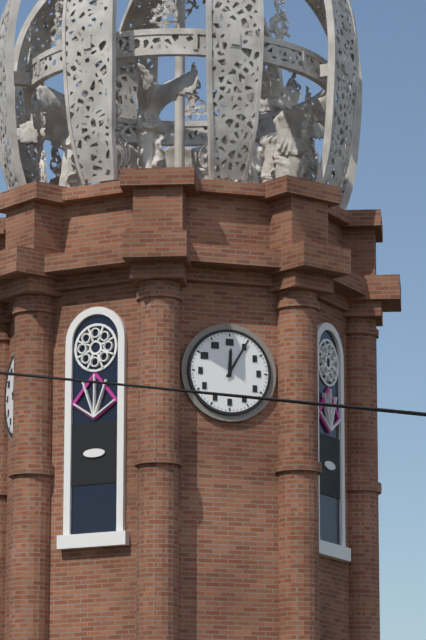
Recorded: 12h05
